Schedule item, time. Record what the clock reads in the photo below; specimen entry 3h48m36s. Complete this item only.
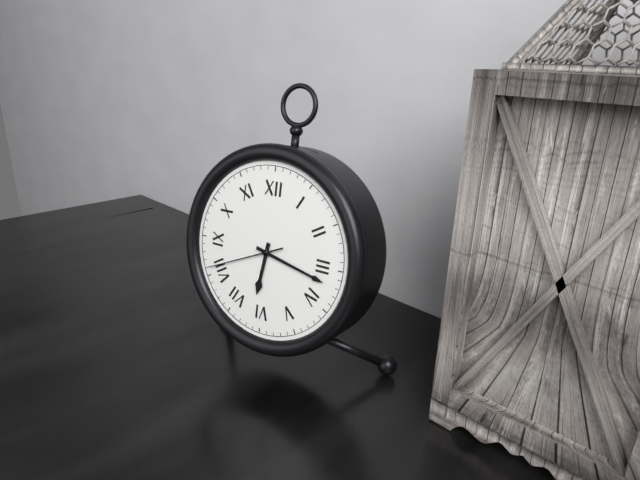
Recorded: 6h17m41s
